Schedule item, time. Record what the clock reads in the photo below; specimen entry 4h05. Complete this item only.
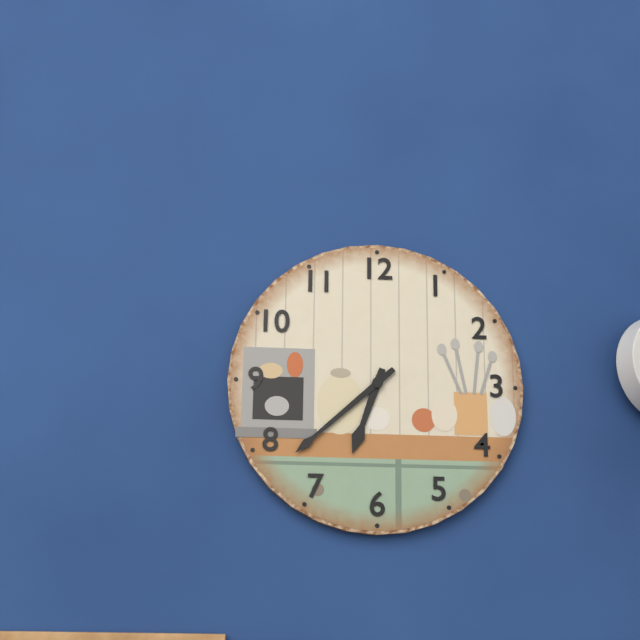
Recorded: 6h38
